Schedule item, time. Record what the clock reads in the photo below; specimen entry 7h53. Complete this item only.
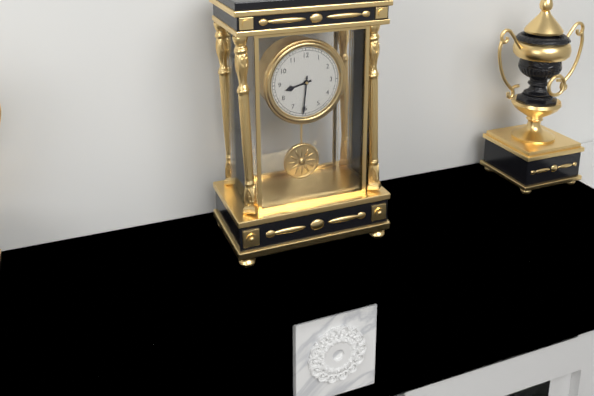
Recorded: 8h31
